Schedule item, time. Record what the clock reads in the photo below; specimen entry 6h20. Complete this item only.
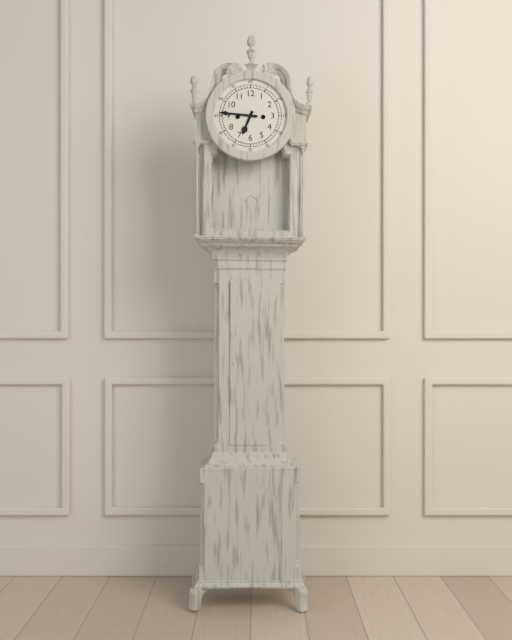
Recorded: 6h46
